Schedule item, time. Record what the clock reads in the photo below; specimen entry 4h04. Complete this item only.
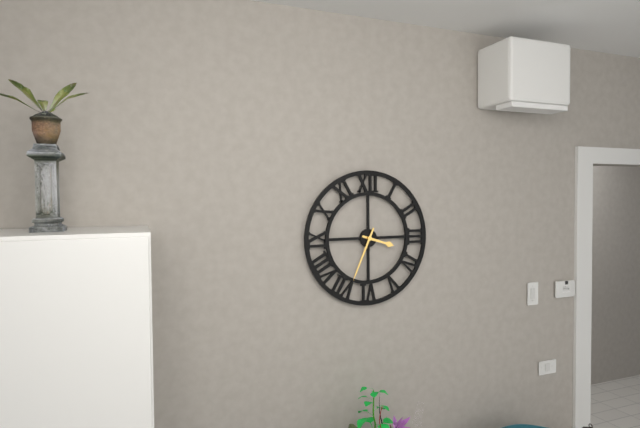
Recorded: 3h34
